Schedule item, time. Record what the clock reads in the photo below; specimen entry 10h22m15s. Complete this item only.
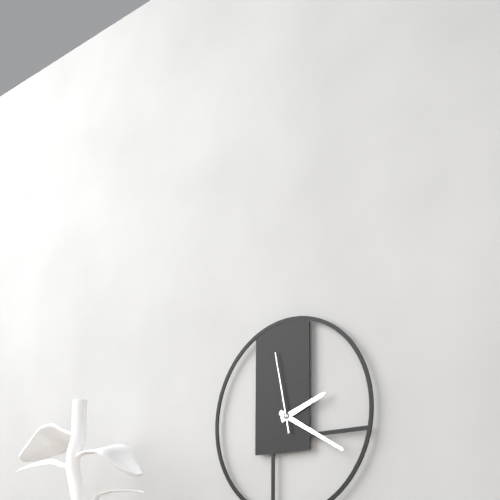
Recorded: 2h20m58s
